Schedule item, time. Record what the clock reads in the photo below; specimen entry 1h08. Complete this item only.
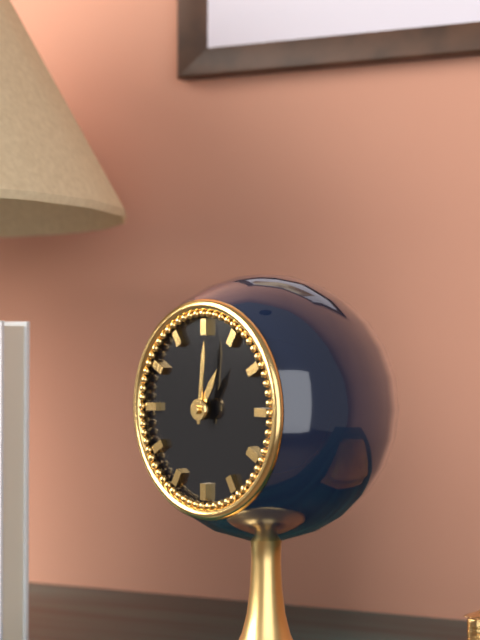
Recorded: 1h01
